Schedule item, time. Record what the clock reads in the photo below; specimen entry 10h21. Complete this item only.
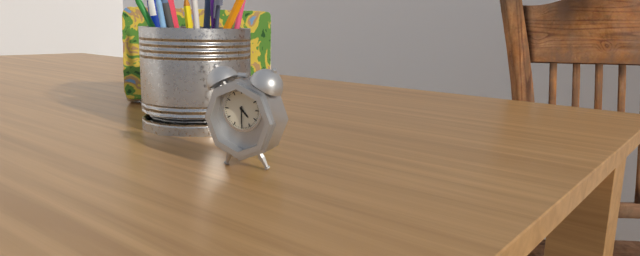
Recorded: 4h30
